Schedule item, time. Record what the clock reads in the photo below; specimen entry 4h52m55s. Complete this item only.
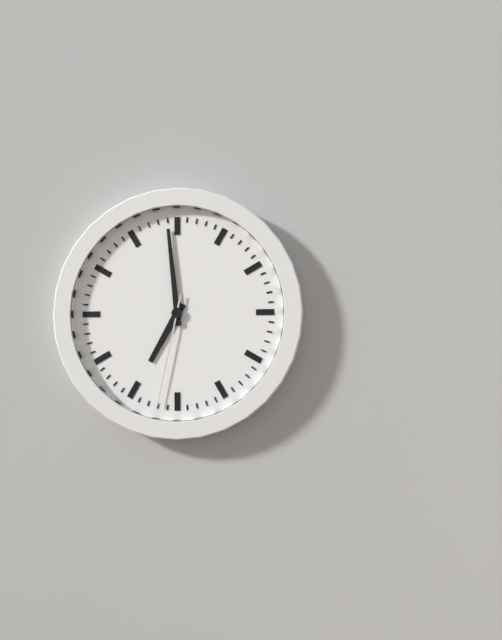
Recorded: 6h59m32s
